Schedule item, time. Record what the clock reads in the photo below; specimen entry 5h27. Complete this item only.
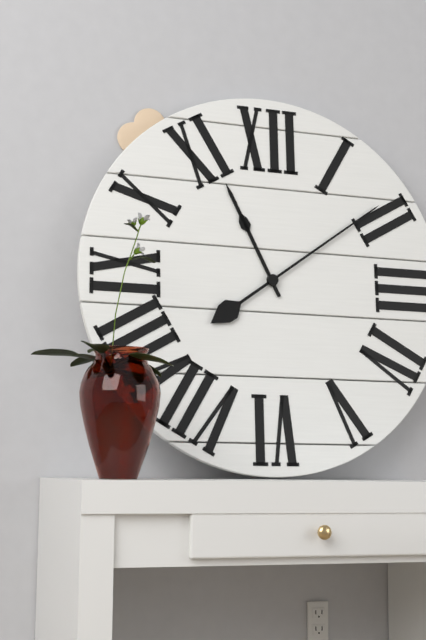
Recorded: 11h09
